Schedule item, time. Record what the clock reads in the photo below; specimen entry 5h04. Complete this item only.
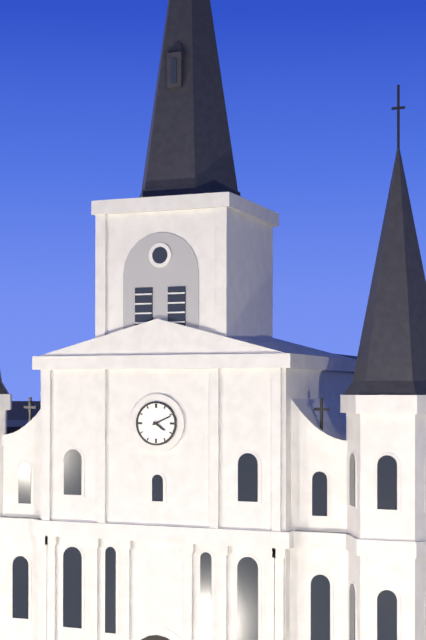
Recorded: 4h11
